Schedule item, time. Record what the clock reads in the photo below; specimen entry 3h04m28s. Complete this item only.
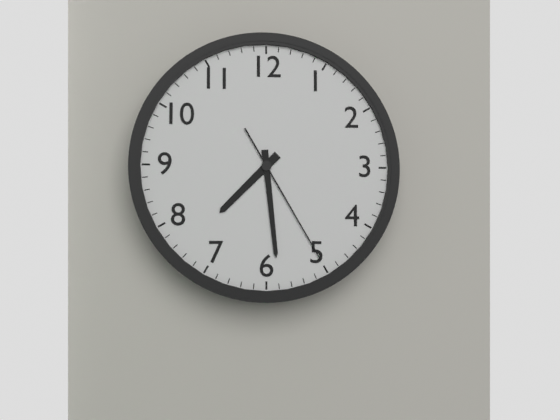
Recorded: 7h29m25s
